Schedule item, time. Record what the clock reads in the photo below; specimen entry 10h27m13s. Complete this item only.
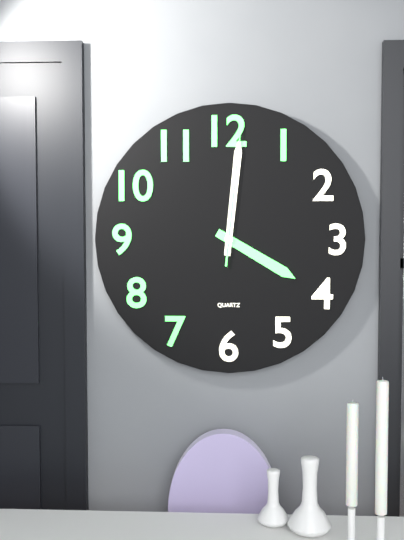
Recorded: 4h01m01s
